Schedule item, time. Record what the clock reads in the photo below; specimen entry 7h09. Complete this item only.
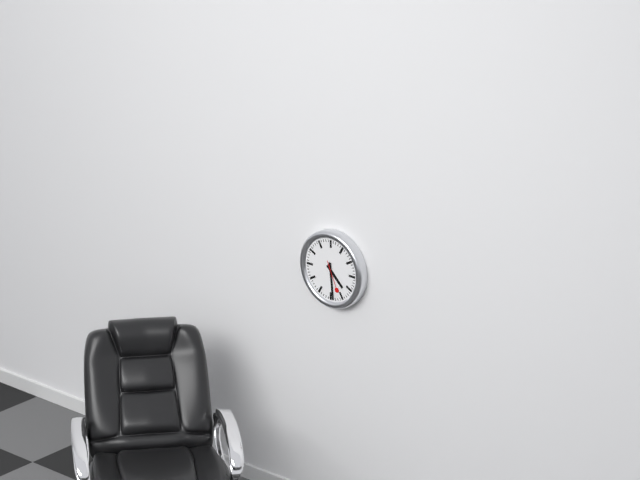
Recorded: 4h29
